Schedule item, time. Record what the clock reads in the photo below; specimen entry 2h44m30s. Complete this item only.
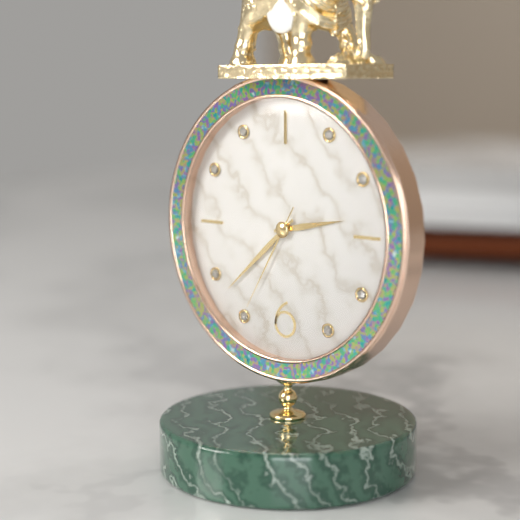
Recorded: 2h38m35s
